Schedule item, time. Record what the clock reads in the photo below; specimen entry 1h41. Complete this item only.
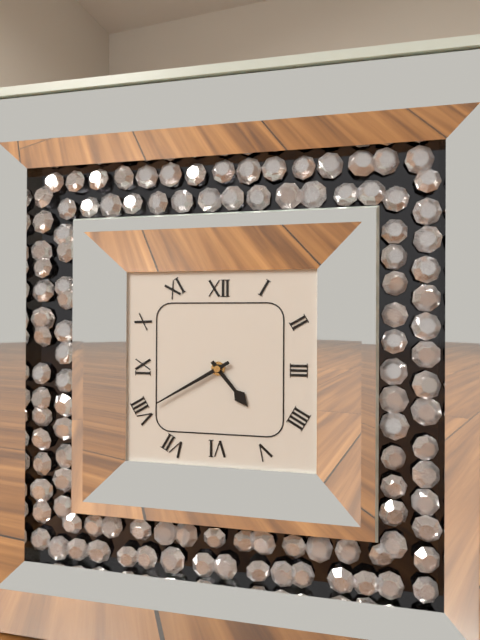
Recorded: 4h40
